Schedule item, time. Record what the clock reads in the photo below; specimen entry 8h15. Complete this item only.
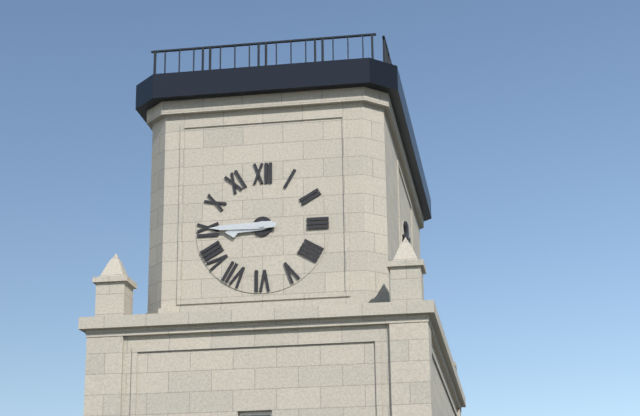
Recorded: 8h45
